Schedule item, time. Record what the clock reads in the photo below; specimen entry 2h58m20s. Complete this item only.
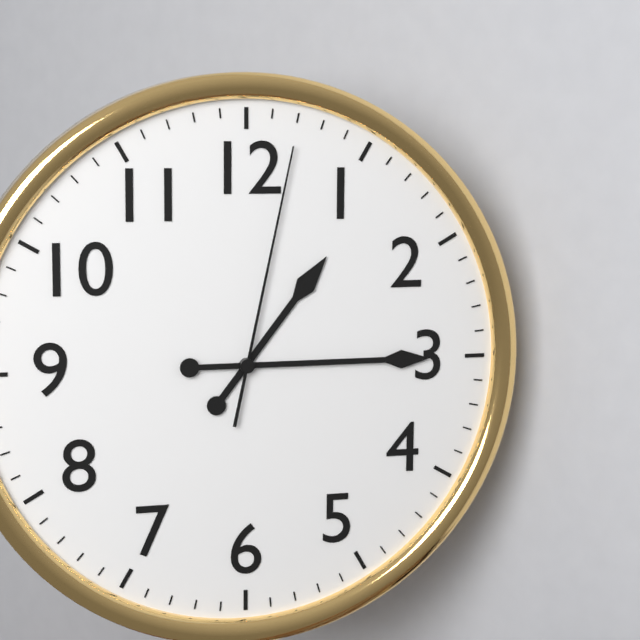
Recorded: 1h15m02s
